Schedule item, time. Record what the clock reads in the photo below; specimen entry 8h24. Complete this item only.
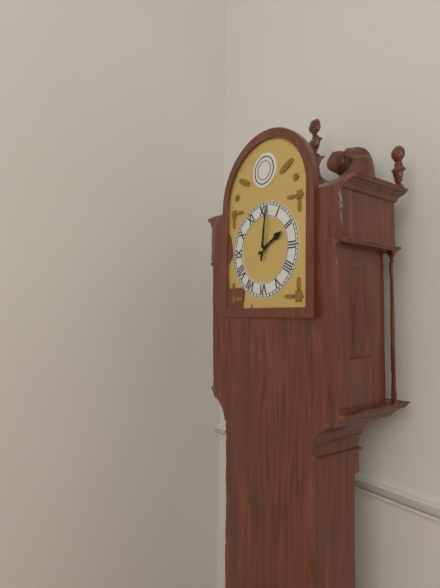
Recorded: 2h01
